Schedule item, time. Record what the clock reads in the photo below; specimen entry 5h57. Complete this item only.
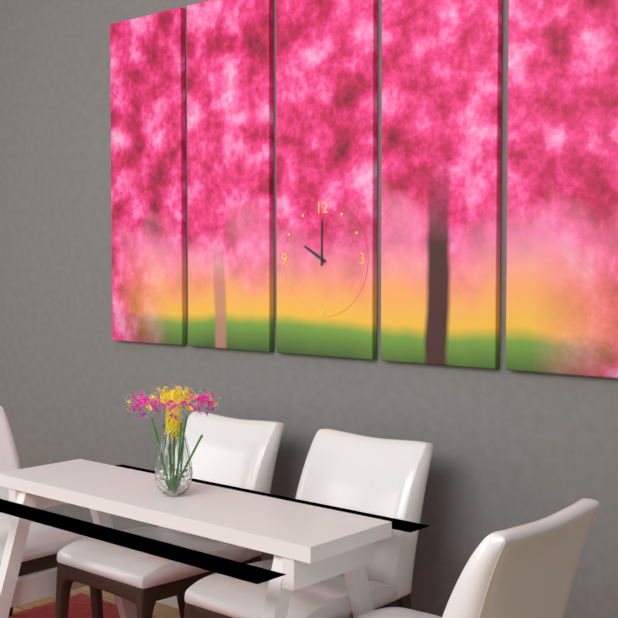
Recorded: 10h00
